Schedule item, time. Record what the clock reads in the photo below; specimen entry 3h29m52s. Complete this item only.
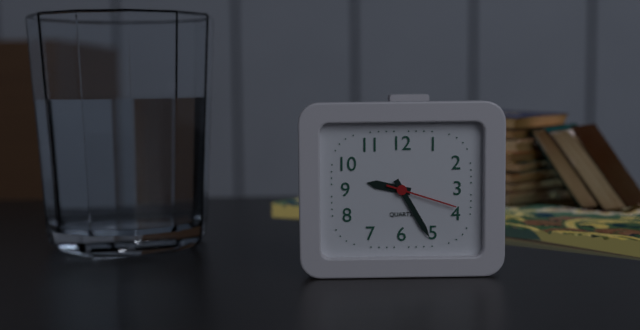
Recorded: 9h25m18s
